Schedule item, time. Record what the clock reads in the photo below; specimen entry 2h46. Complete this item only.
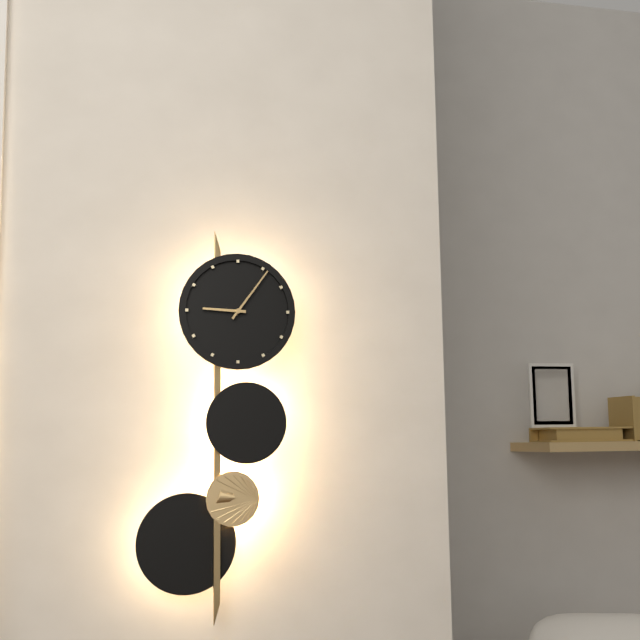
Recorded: 9h06
